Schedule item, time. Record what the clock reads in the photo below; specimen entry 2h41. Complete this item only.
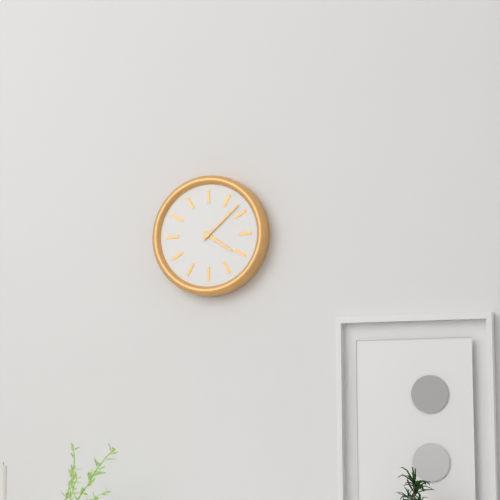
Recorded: 4h08
